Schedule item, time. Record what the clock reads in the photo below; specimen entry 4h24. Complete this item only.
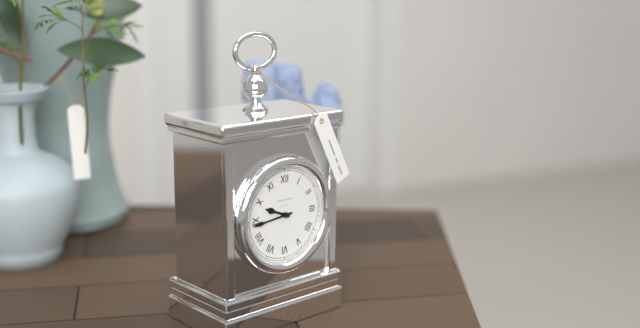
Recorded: 9h44
